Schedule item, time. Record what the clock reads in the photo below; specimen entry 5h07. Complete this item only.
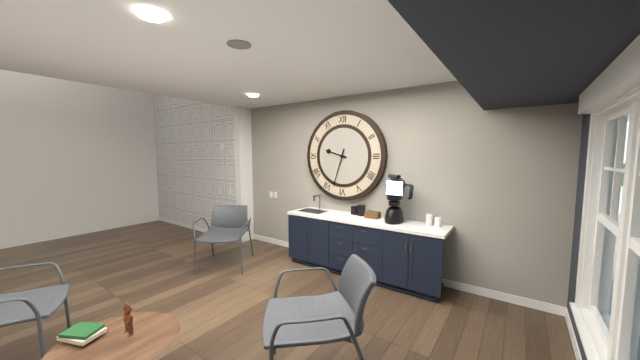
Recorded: 9h33
